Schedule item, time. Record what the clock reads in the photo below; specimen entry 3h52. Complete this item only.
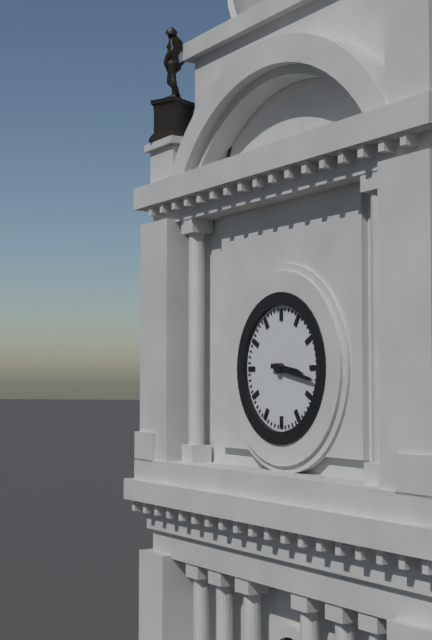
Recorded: 3h17
